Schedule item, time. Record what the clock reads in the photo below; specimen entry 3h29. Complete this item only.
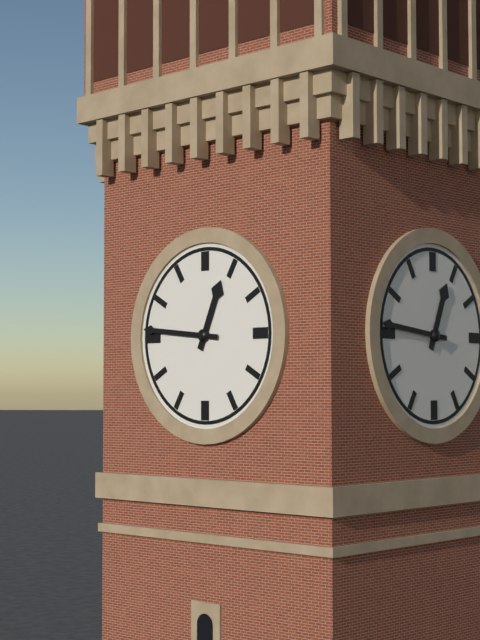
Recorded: 12h46
